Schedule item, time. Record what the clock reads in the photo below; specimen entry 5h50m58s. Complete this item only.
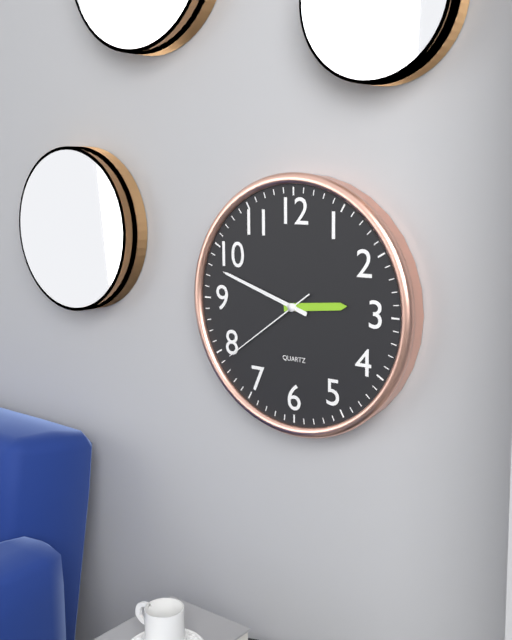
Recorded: 2h48m39s
